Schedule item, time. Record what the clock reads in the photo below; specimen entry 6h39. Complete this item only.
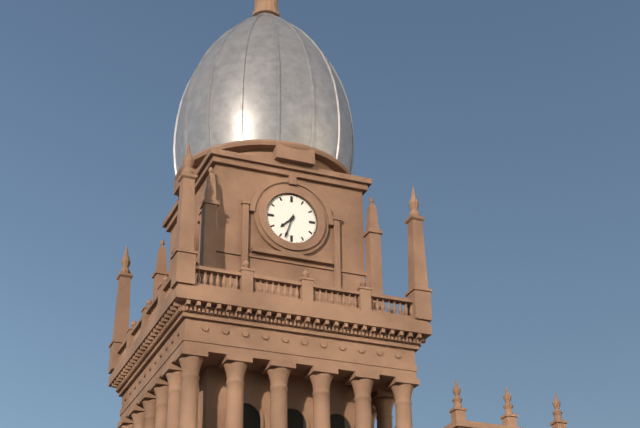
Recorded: 7h33
